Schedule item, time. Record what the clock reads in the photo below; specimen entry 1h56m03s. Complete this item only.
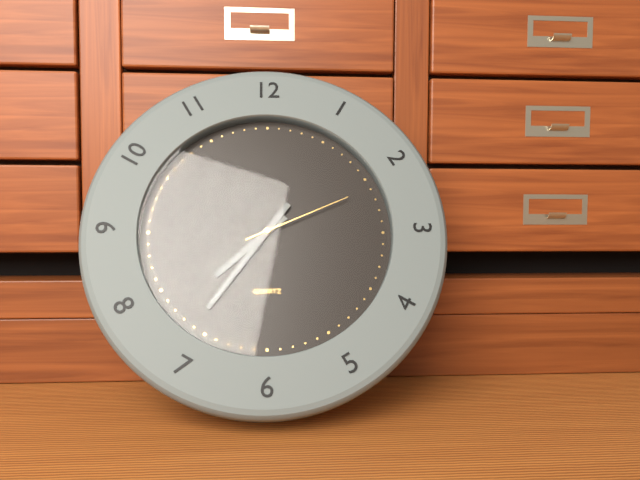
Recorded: 7h36m11s
